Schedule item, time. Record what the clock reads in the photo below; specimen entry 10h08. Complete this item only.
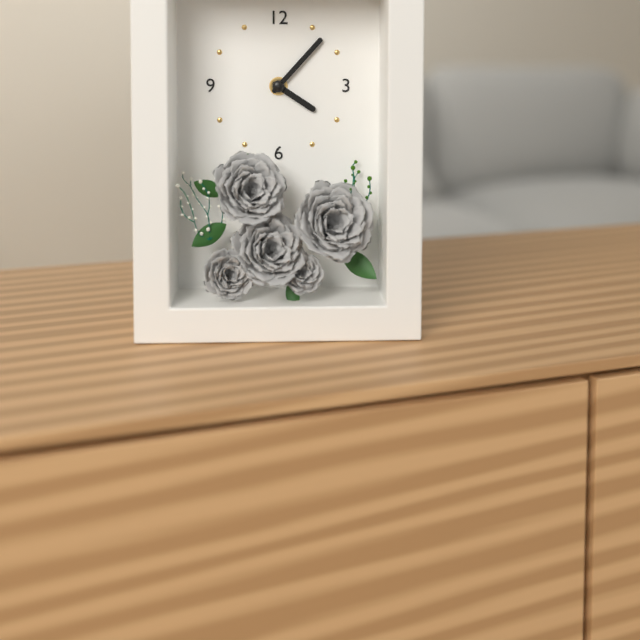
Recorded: 4h07
